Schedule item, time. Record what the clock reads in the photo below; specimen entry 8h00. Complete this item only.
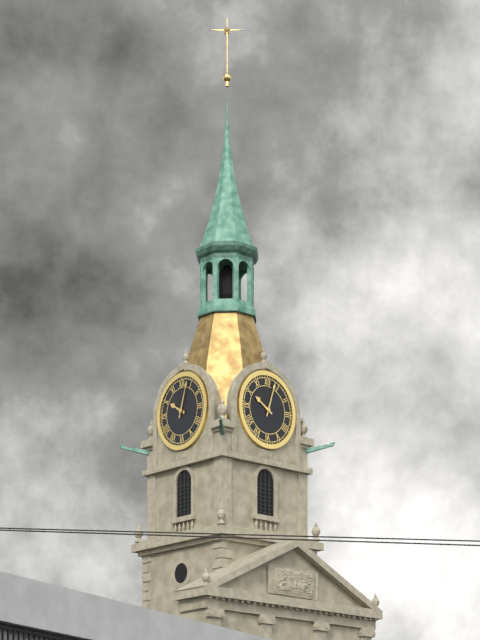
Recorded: 10h03
